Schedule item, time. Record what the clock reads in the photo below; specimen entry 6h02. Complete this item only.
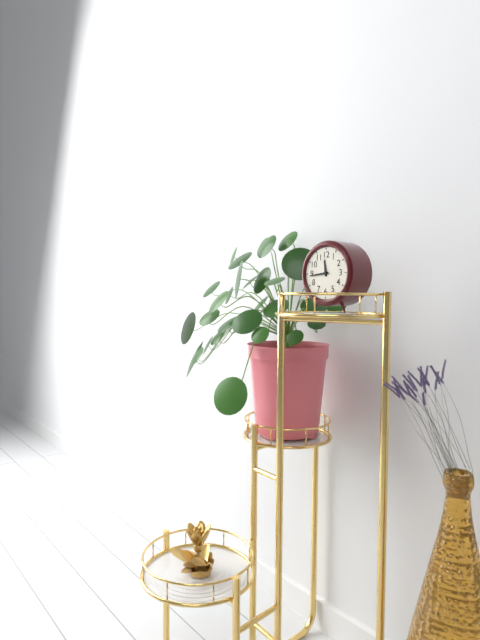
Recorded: 11h44
